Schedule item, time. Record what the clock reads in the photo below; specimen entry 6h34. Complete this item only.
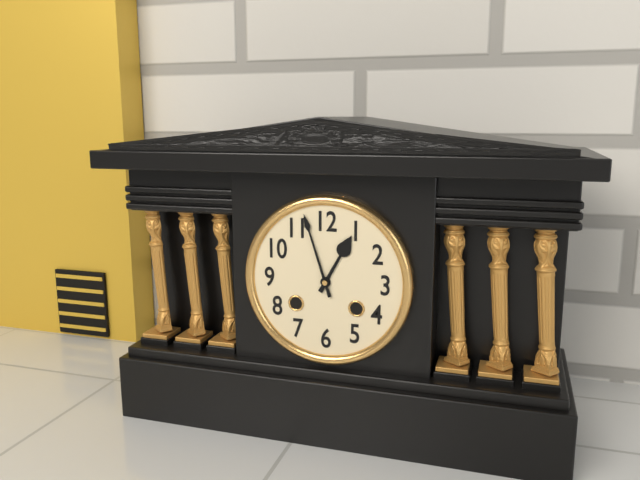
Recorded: 12h57
